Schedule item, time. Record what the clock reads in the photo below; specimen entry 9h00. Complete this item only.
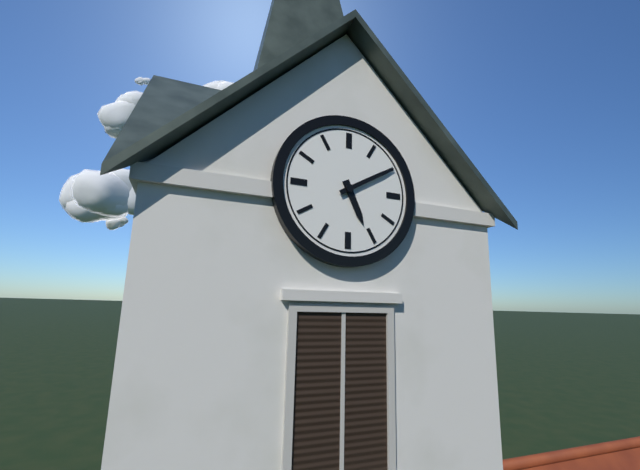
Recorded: 5h10
